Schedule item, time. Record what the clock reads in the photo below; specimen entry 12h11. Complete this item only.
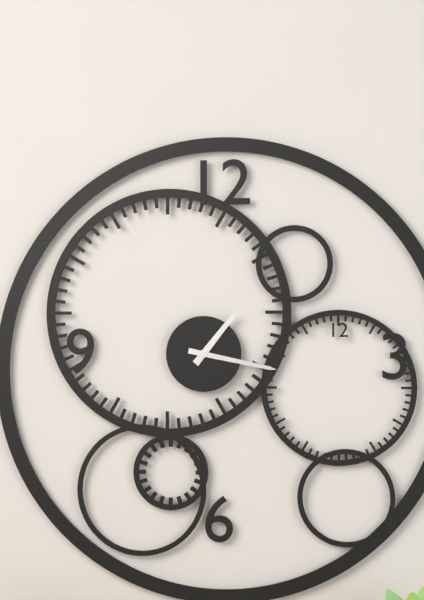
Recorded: 1h17
